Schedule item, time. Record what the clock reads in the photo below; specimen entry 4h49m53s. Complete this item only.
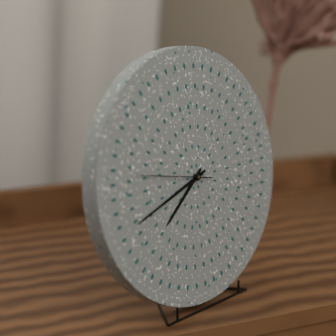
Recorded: 7h42m47s
